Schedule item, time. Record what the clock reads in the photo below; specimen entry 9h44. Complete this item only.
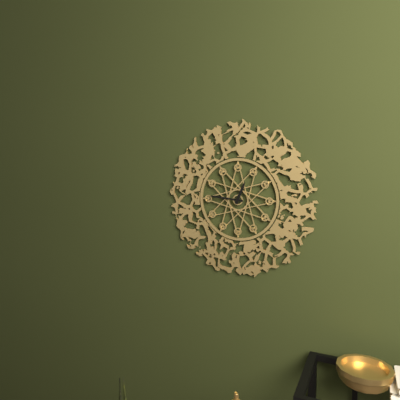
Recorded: 12h46
